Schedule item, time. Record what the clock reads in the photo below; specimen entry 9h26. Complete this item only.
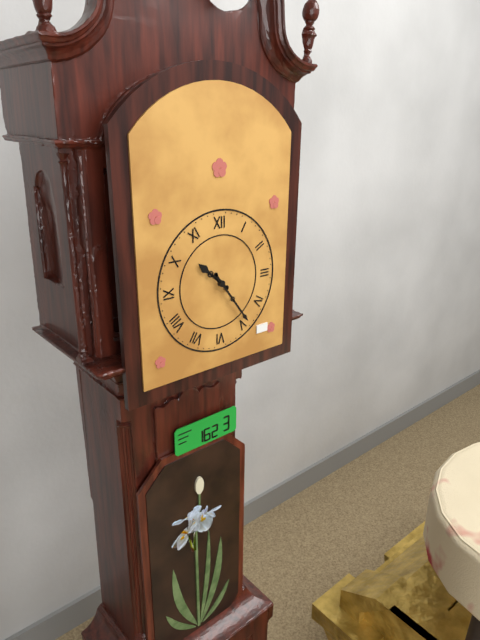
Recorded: 10h24
